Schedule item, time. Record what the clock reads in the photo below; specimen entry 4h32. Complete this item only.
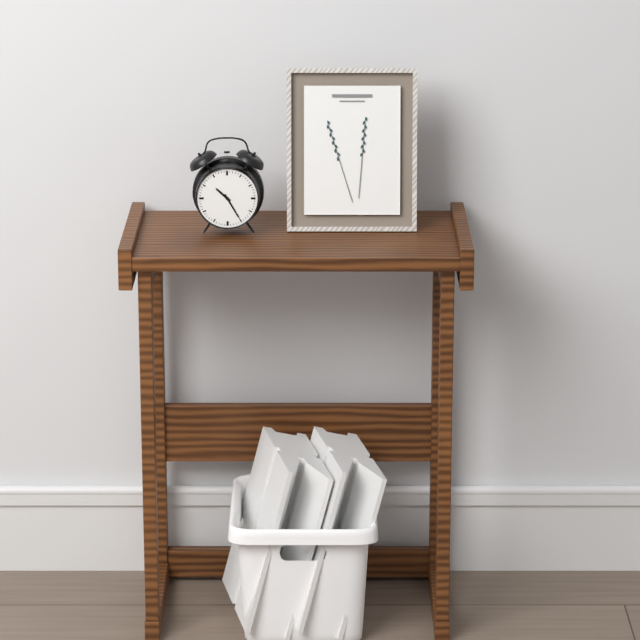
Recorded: 10h25
